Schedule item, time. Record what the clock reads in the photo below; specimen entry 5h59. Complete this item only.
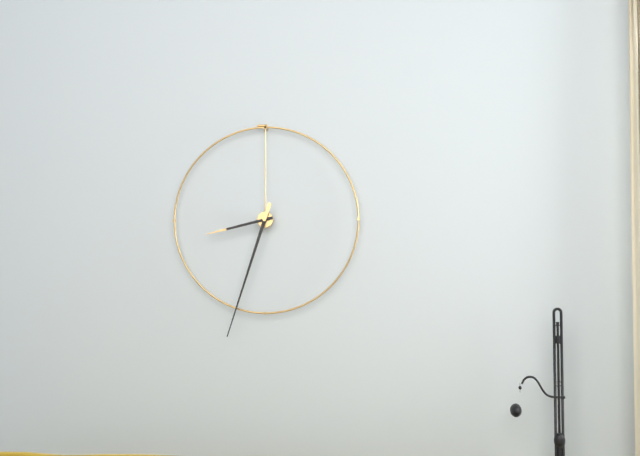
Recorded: 8h33
